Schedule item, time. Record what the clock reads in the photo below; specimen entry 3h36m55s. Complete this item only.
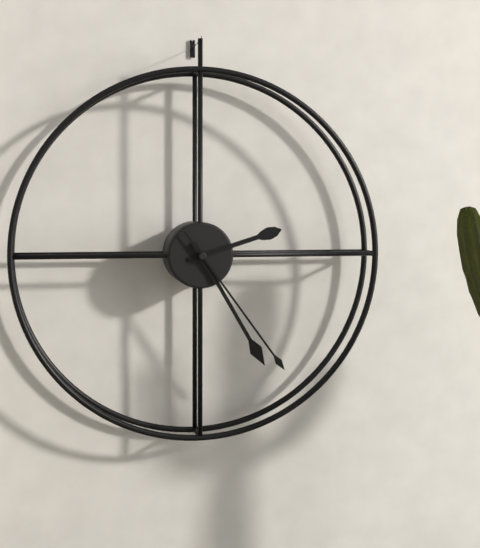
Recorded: 2h25m24s
